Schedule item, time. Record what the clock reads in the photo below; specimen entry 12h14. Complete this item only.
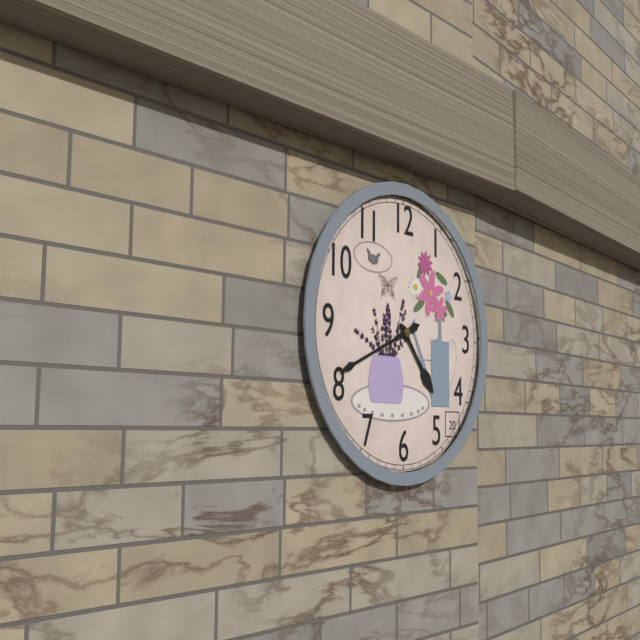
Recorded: 4h41
